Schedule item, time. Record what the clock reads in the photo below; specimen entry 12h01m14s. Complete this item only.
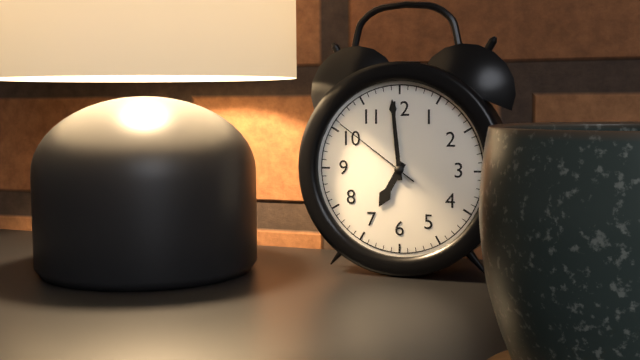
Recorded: 6h59m51s
